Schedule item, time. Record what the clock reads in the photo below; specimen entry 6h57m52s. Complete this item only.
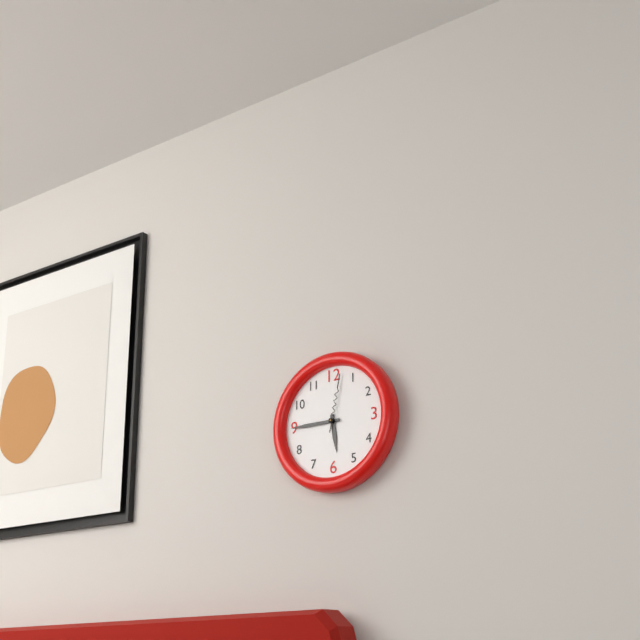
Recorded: 5h45m02s
